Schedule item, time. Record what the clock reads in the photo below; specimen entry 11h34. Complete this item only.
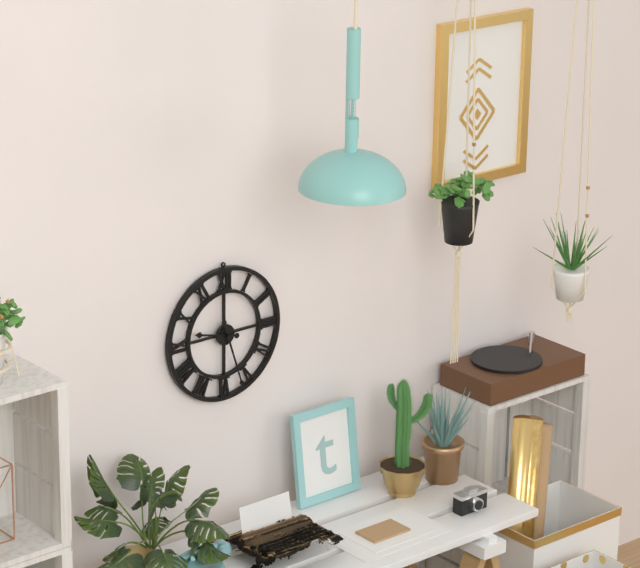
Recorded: 9h27
